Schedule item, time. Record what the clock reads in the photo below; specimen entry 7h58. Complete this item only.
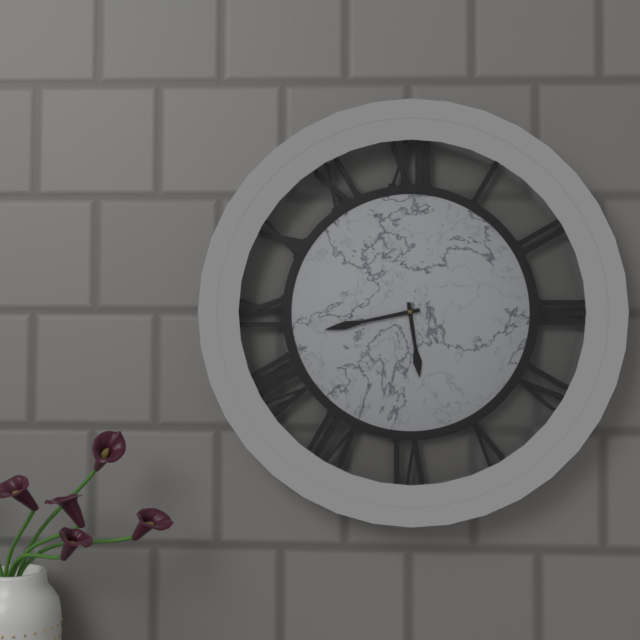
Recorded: 5h43
